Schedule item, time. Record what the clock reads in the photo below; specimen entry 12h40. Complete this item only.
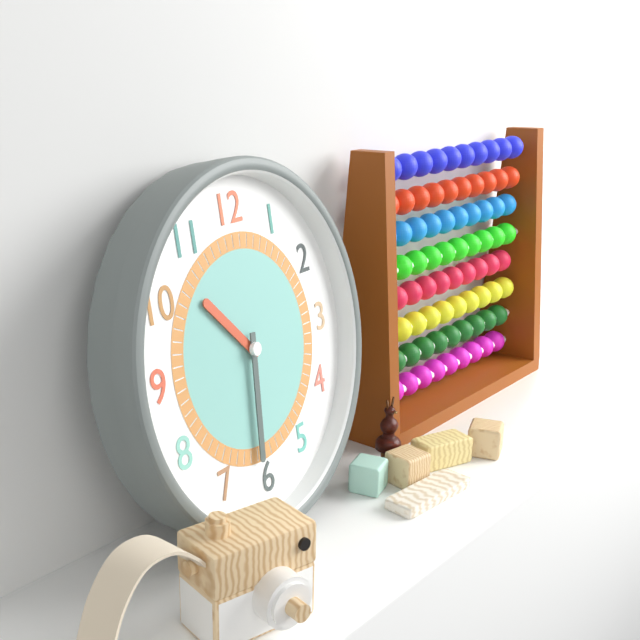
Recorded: 10h31
